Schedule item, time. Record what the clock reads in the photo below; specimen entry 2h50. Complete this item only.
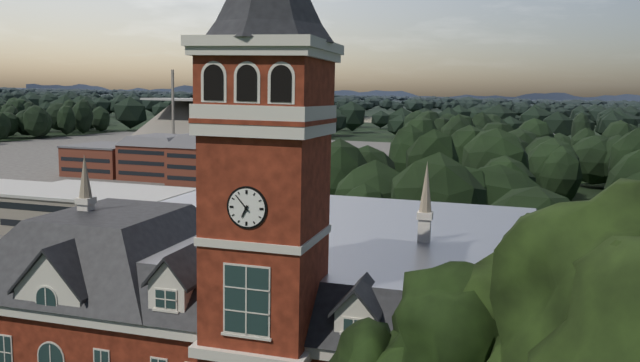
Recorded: 6h53
